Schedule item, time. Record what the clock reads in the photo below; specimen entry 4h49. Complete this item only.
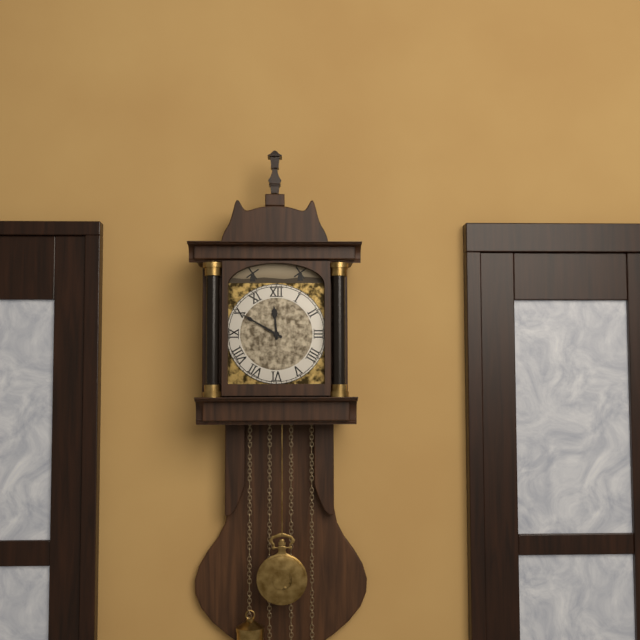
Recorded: 11h50
